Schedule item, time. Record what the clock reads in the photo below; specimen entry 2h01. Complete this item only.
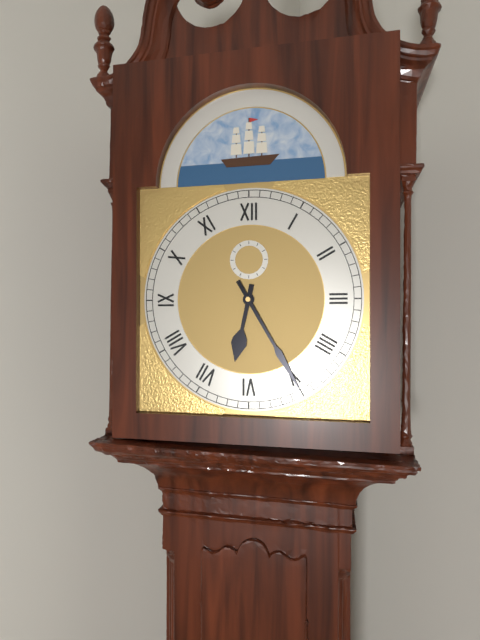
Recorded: 6h25
